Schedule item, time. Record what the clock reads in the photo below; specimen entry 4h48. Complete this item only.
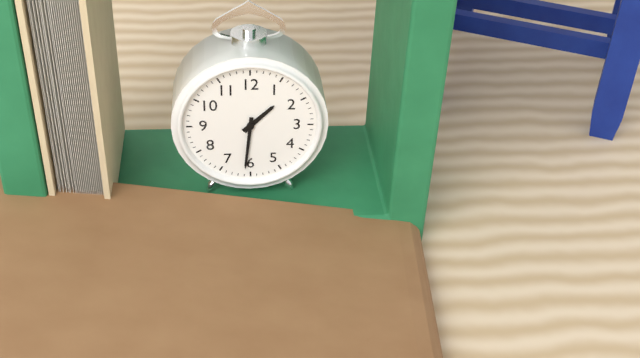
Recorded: 1h31
